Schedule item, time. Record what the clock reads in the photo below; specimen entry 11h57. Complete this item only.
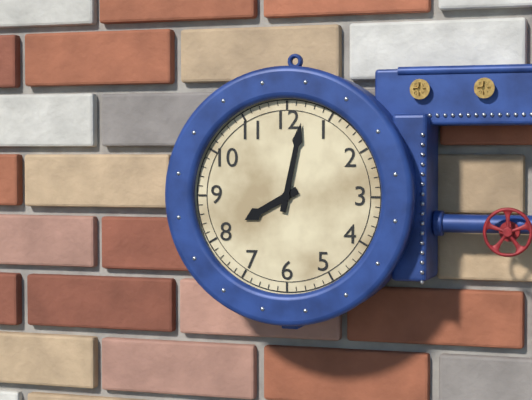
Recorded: 8h02
